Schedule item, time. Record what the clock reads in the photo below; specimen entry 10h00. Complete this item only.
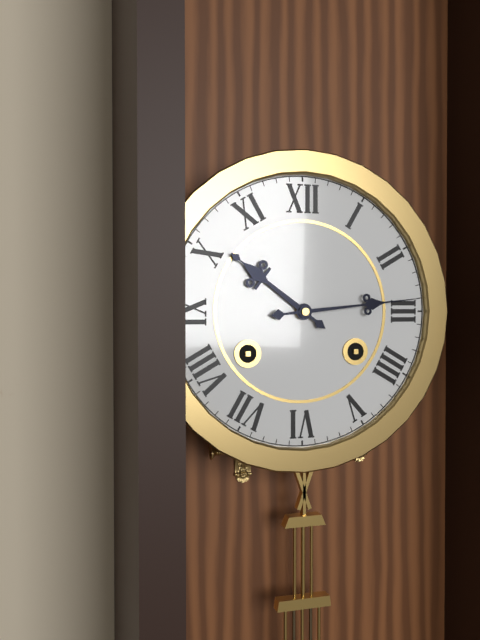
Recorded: 10h14
